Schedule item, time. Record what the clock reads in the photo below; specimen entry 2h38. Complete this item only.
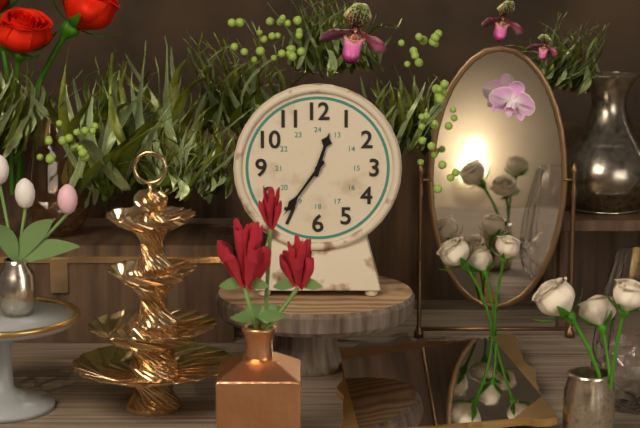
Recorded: 12h36
